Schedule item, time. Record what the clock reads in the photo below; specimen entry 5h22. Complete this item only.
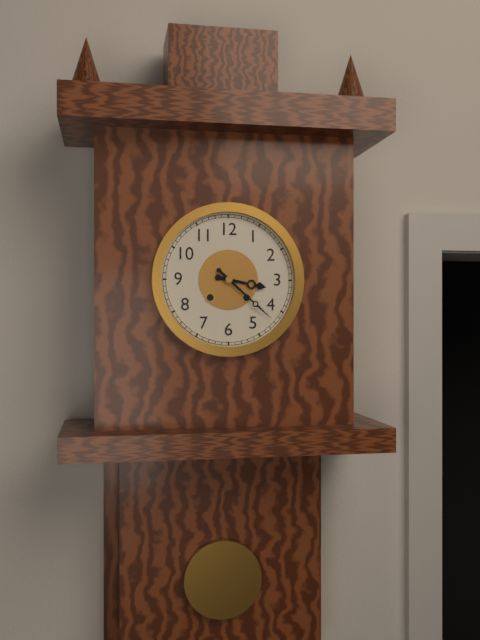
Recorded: 3h22
